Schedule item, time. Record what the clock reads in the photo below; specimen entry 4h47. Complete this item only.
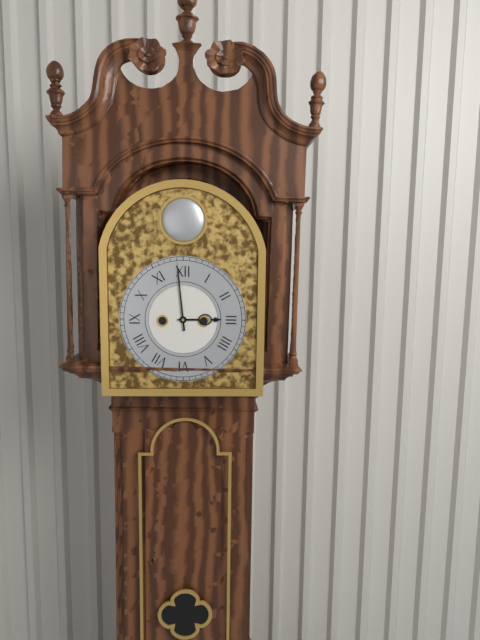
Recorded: 2h59
